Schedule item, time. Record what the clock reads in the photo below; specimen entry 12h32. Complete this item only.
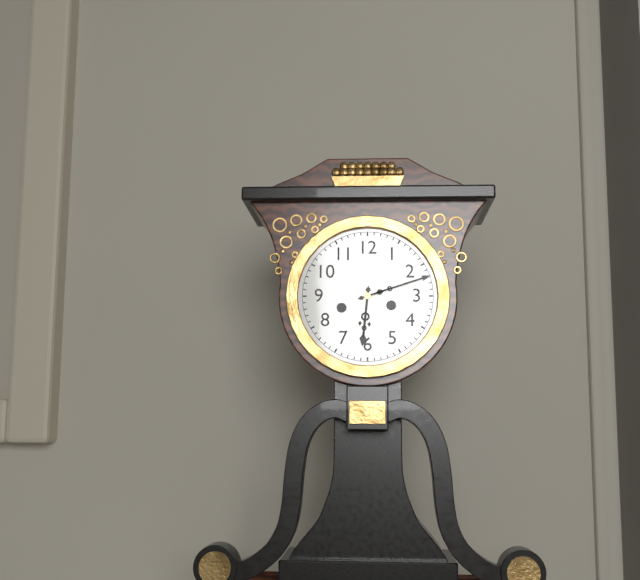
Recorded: 6h12
